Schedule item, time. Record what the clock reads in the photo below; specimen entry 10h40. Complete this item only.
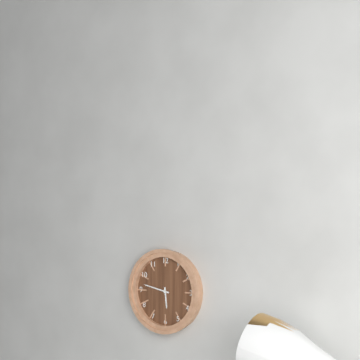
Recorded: 5h47
